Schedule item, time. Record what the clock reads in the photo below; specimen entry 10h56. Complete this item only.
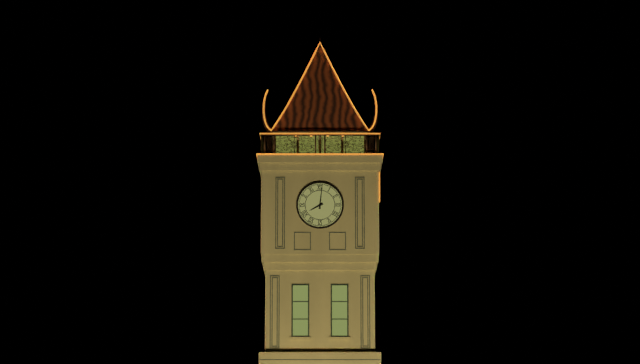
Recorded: 8h01
